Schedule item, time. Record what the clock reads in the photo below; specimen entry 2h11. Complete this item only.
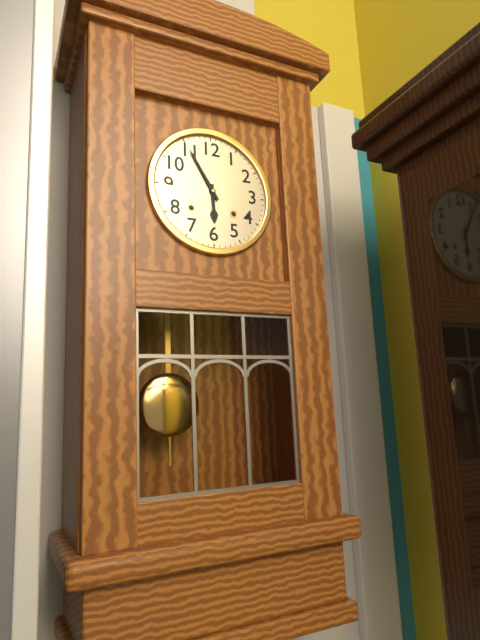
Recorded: 5h55
